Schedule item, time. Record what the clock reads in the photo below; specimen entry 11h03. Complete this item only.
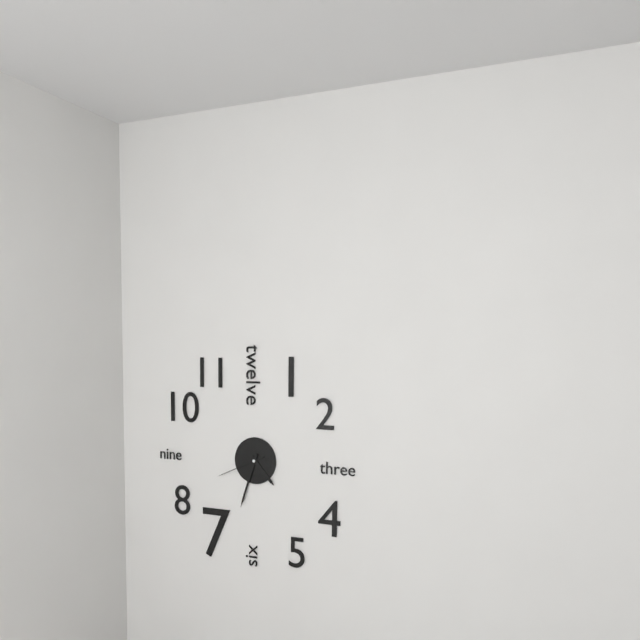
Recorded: 4h33
